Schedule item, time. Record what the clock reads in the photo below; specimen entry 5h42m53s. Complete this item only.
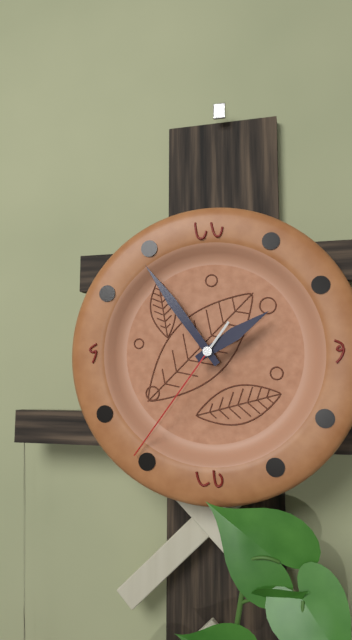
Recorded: 1h54m36s
